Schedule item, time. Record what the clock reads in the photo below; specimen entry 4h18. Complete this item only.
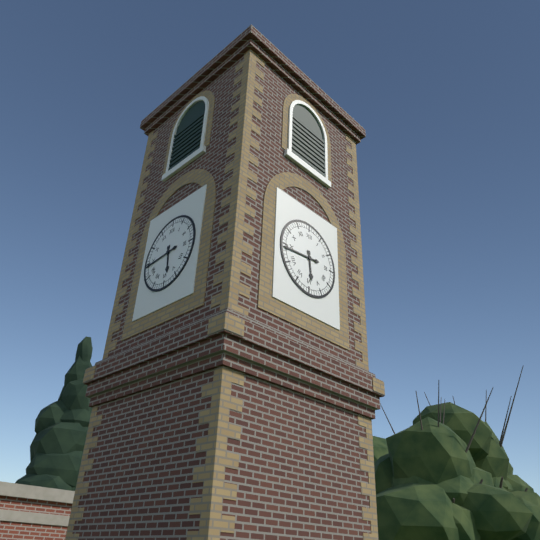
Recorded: 5h44
